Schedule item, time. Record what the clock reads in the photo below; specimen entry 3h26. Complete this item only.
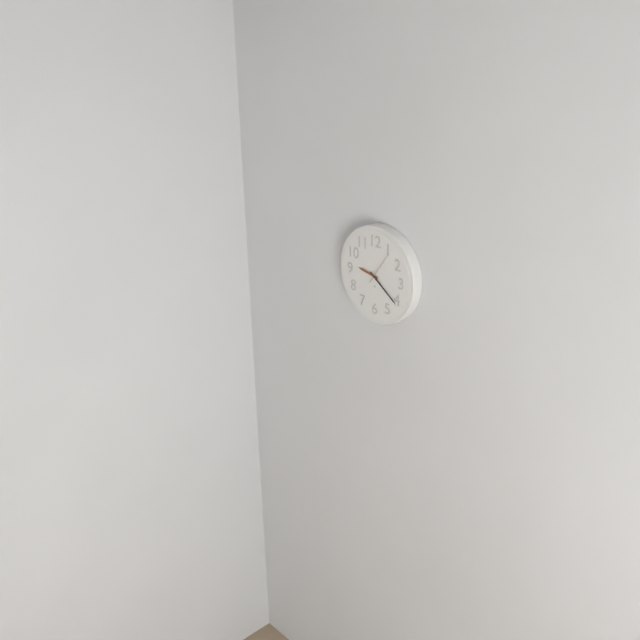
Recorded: 9h21
